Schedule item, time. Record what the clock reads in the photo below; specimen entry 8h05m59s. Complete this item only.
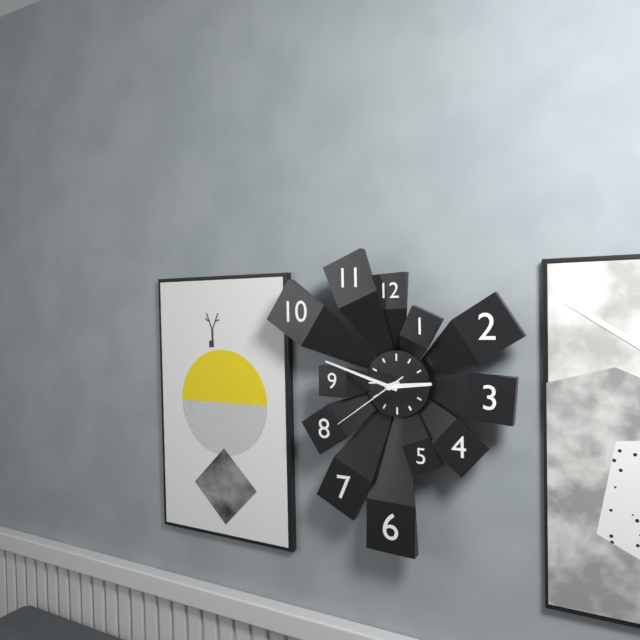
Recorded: 2h48m39s
